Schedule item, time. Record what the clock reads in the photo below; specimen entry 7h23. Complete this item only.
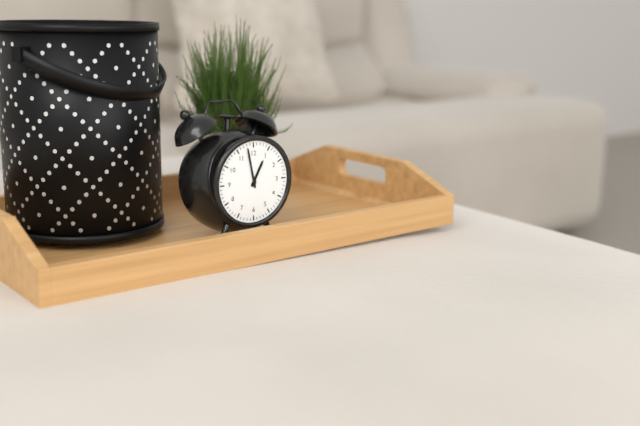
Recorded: 12h58
